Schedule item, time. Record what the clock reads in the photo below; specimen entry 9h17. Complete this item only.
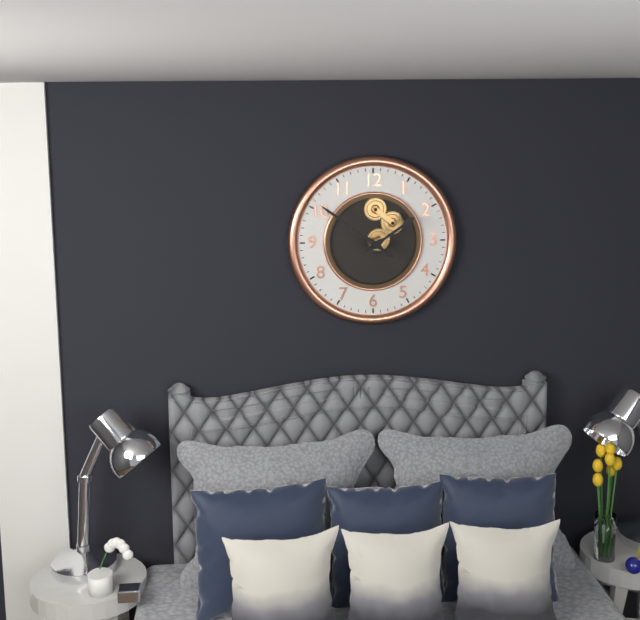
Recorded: 1h51
